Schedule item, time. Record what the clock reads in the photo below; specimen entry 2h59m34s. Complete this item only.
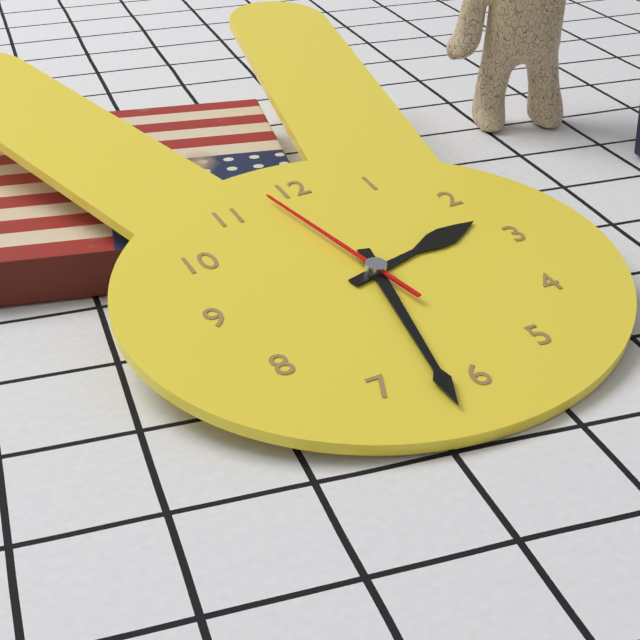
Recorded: 2h32m58s
